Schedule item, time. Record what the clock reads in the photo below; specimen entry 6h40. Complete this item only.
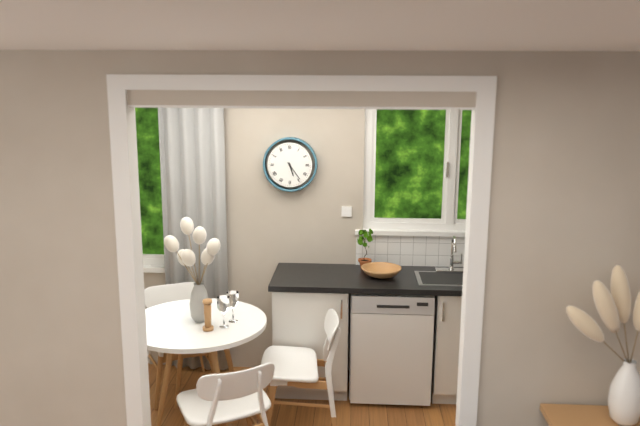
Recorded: 5h24
